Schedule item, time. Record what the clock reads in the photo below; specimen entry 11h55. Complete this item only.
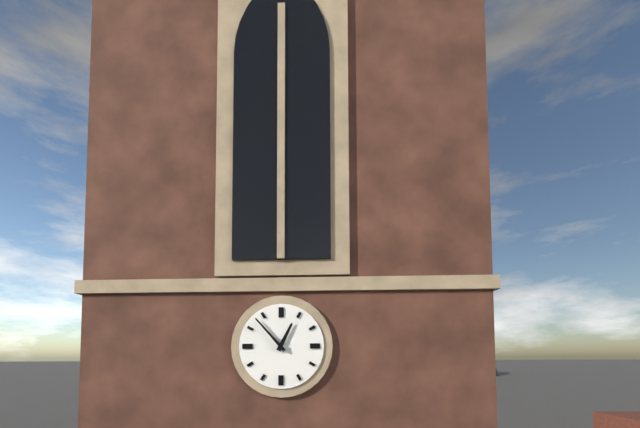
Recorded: 12h53
